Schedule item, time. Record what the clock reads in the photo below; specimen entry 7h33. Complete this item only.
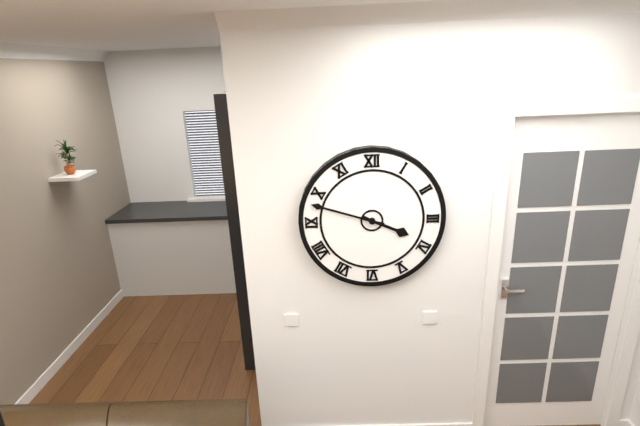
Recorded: 3h48
